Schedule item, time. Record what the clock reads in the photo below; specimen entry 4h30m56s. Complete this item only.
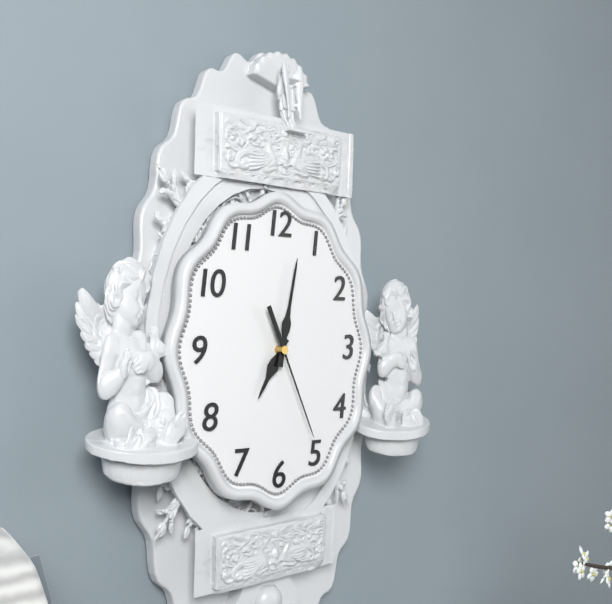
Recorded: 7h02m26s
